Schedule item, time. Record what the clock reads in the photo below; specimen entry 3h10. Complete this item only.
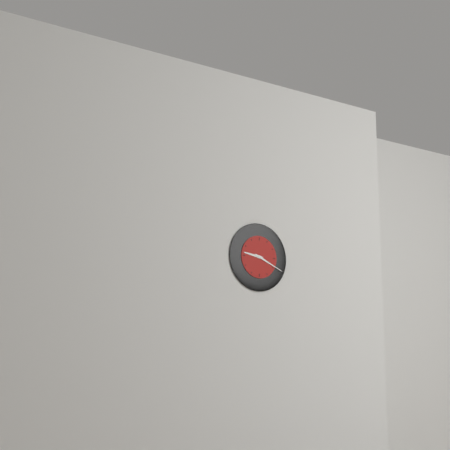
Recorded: 9h19
